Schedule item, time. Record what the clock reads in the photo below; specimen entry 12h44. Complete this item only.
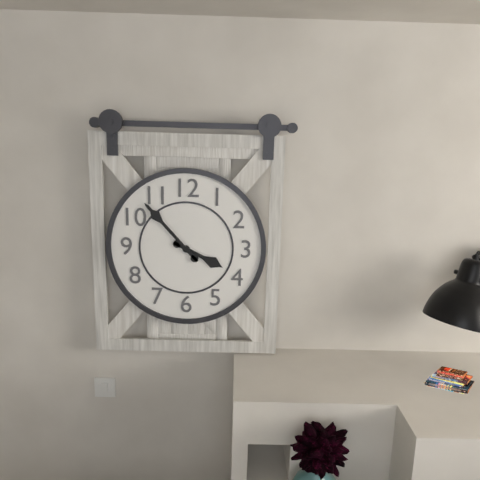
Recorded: 3h53
